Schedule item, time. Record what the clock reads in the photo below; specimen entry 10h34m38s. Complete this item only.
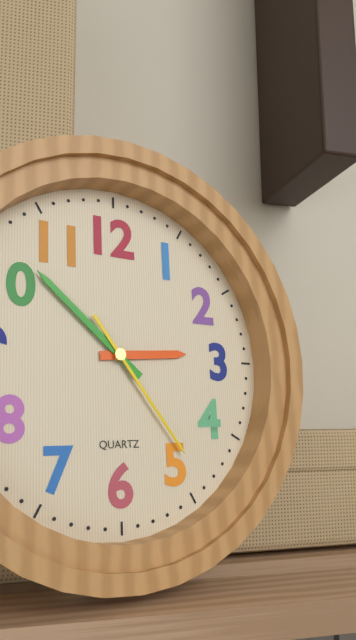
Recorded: 2h52m24s
